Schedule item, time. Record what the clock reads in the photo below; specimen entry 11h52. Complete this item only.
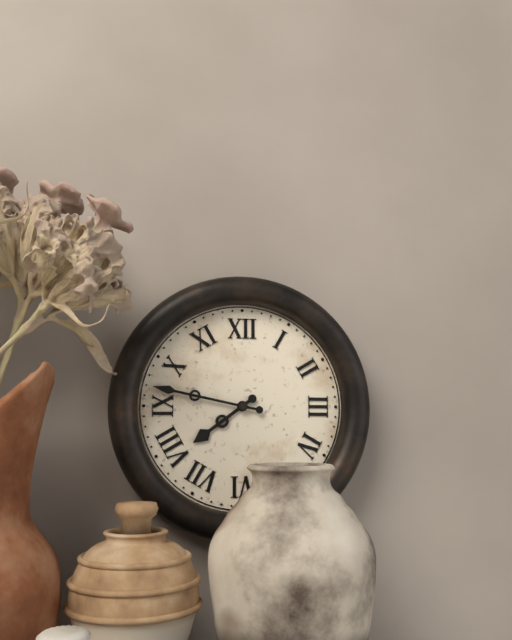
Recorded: 7h47
